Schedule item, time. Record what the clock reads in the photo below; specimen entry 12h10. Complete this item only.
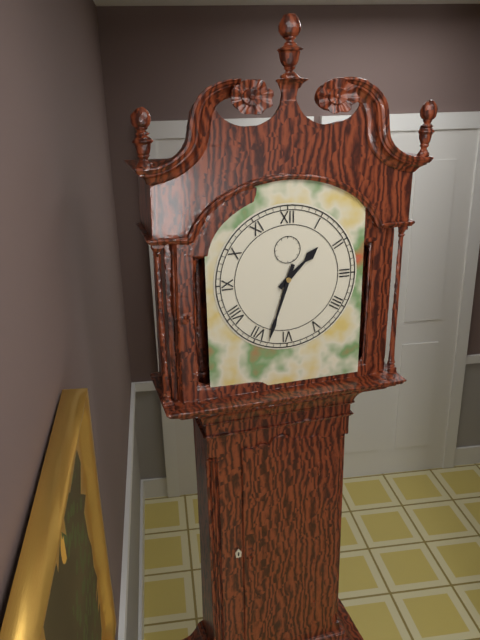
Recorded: 1h33
